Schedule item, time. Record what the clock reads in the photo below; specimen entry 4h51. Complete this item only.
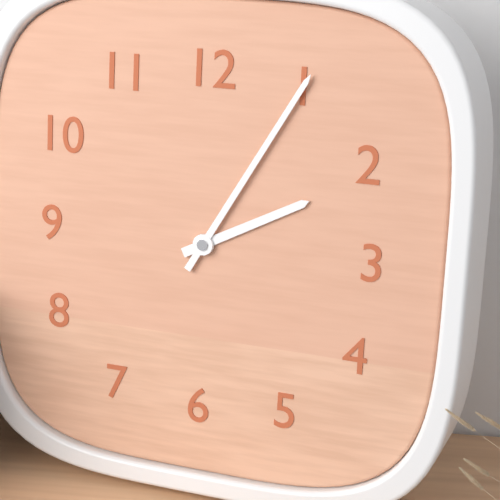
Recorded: 2h05
